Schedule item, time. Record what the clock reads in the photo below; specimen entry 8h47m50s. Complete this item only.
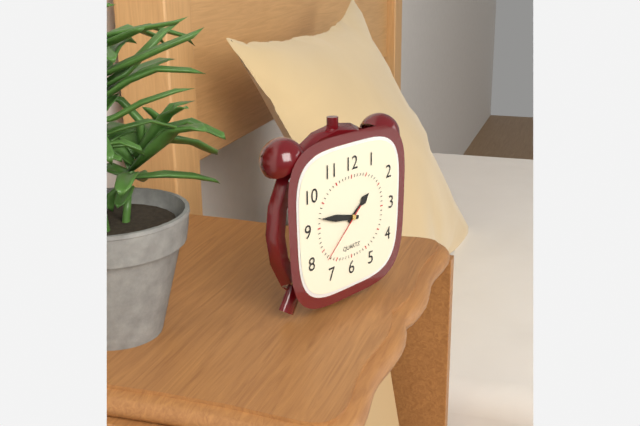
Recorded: 1h47m38s
